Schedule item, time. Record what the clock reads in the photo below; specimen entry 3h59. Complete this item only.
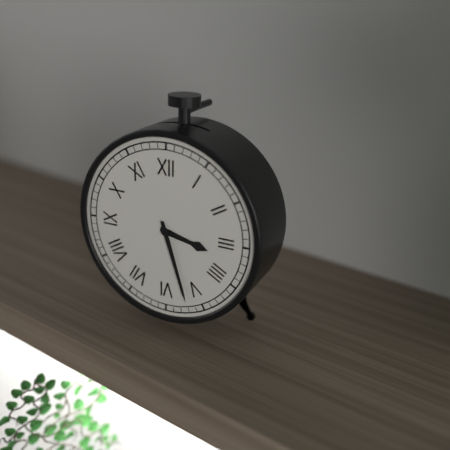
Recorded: 3h27
